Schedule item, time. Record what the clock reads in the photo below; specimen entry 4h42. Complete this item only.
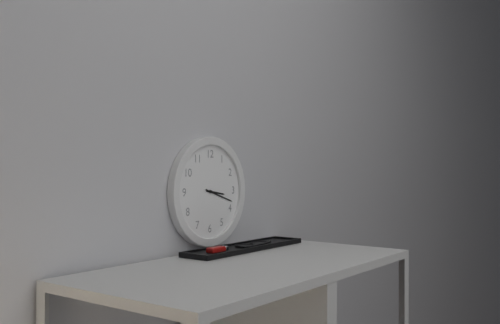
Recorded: 3h18
